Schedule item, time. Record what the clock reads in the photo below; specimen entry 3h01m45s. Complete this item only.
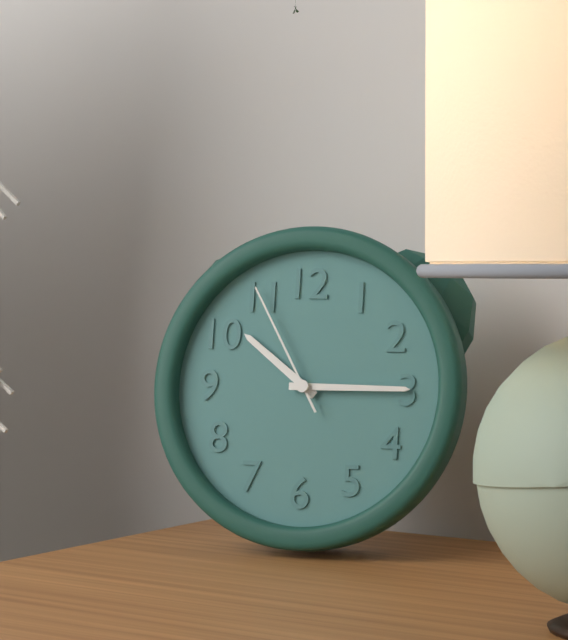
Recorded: 10h15m55s
